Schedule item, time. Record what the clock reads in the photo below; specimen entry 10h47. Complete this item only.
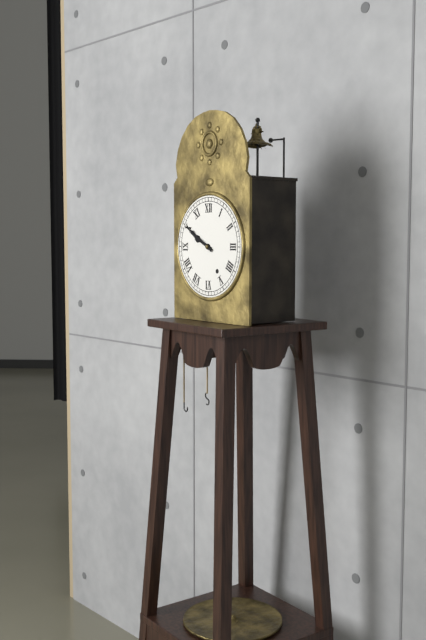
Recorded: 9h50
